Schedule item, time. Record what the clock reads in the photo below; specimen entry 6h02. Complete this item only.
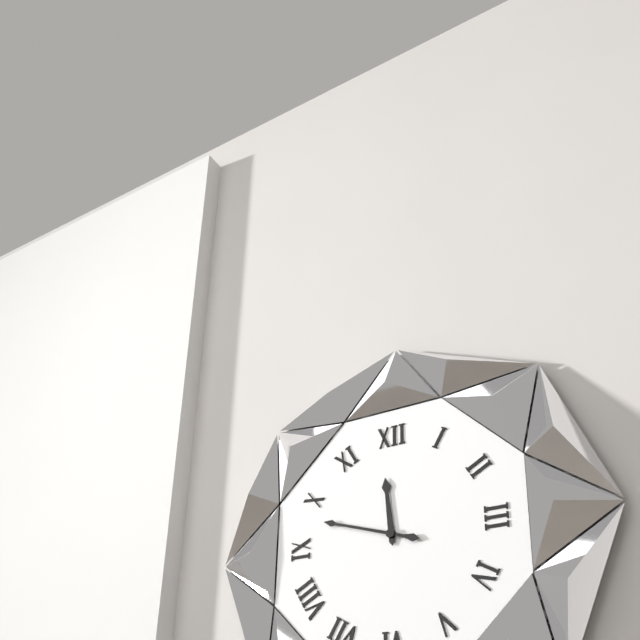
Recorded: 11h48
